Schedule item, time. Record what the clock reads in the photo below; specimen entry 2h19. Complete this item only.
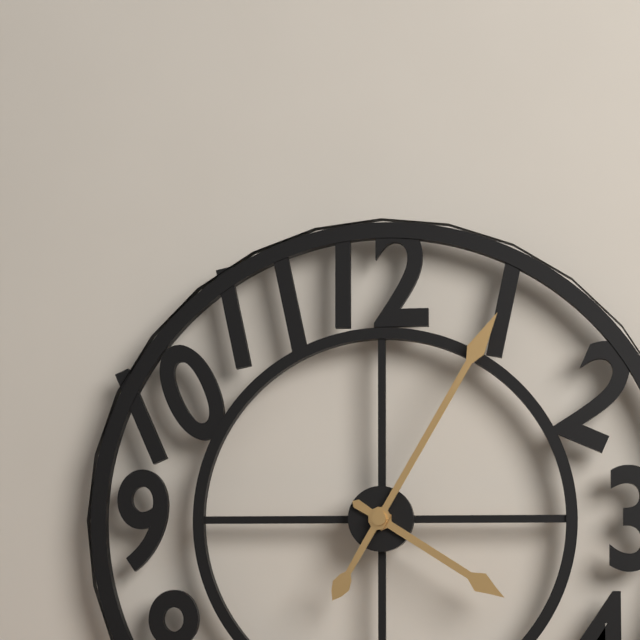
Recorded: 4h05
